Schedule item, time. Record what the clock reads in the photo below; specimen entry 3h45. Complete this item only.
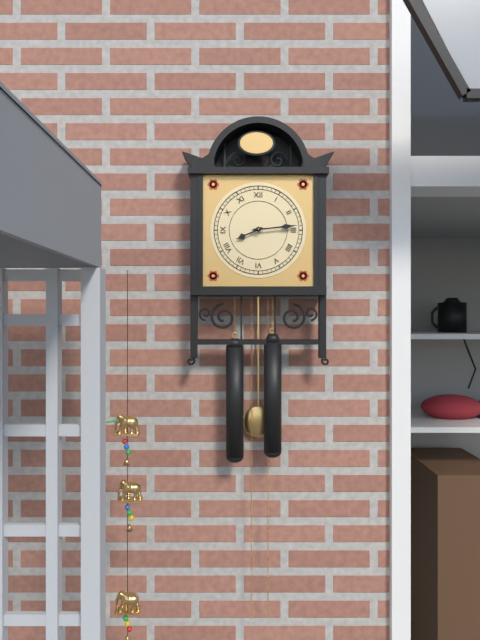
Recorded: 8h14
